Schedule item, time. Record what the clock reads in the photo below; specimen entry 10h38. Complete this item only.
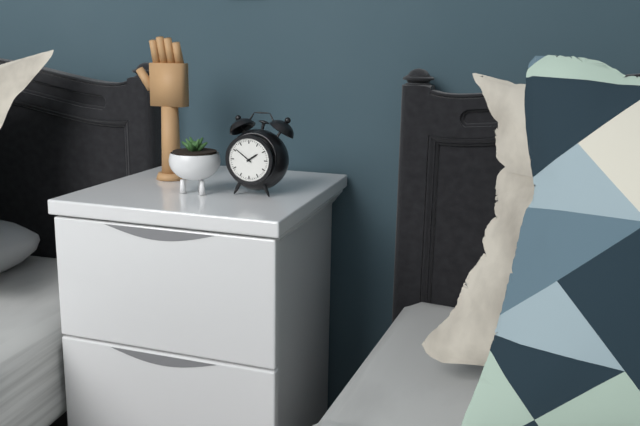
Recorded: 1h51
